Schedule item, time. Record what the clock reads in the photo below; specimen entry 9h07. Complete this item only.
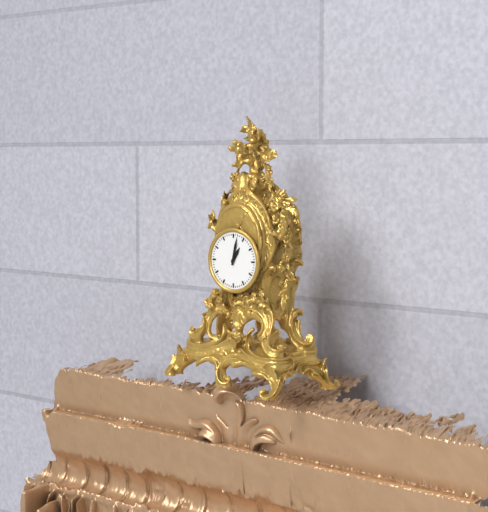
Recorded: 1h02
